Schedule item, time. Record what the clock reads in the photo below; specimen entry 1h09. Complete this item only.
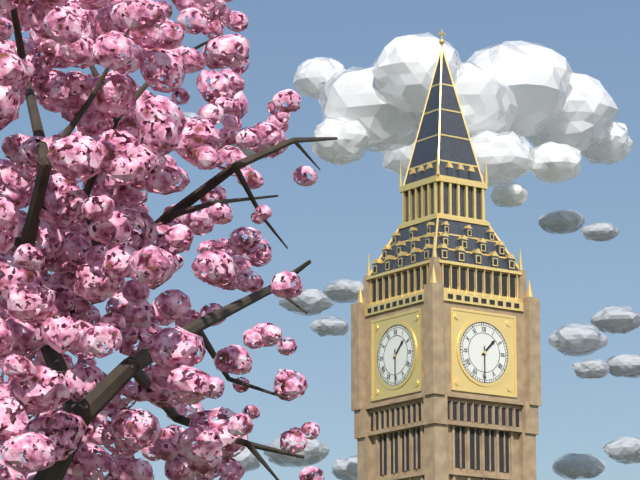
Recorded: 1h30
